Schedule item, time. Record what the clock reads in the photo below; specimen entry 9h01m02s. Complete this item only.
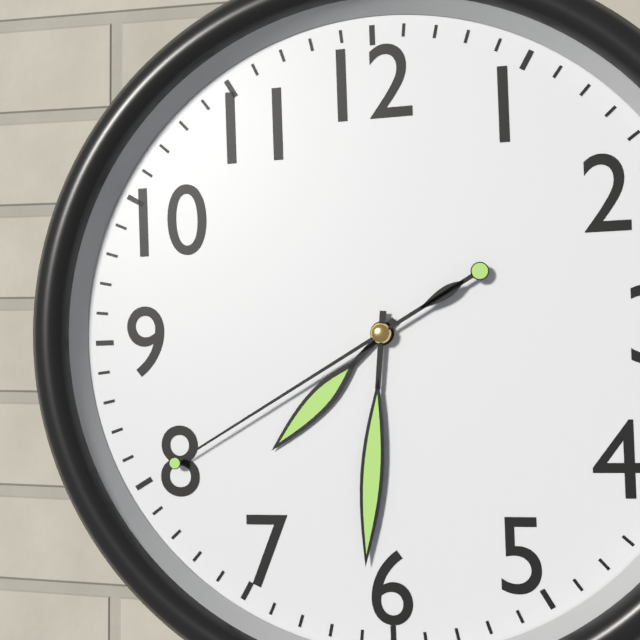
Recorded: 7h31m40s
